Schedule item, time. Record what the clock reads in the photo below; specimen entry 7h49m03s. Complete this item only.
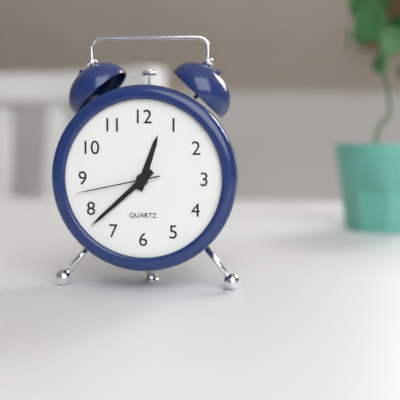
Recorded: 12h38m43s
